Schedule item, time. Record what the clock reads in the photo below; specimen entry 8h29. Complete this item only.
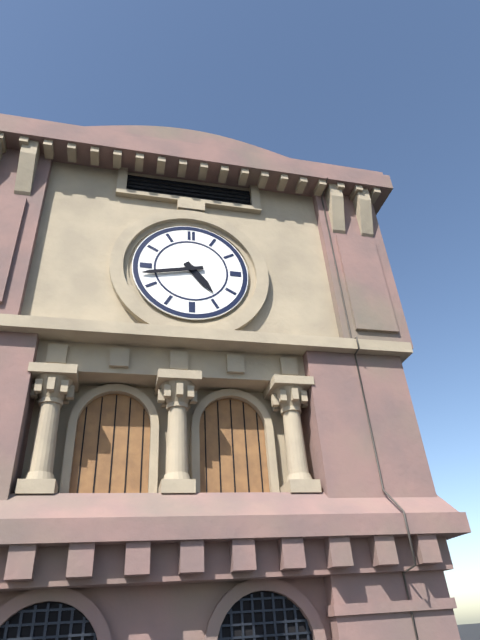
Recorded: 4h43
